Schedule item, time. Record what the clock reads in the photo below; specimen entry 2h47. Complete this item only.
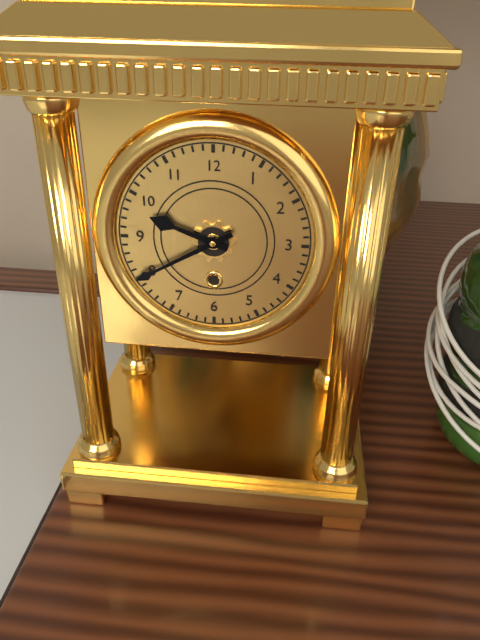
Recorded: 9h40
